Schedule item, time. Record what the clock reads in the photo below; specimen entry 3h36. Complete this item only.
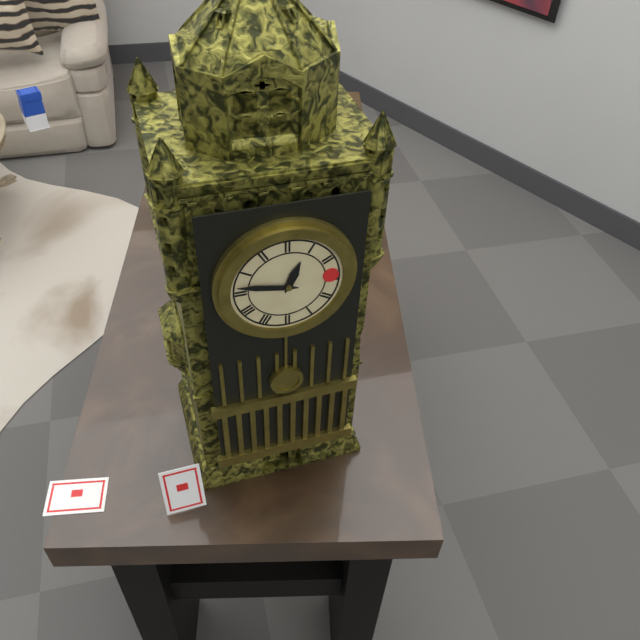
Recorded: 12h47
